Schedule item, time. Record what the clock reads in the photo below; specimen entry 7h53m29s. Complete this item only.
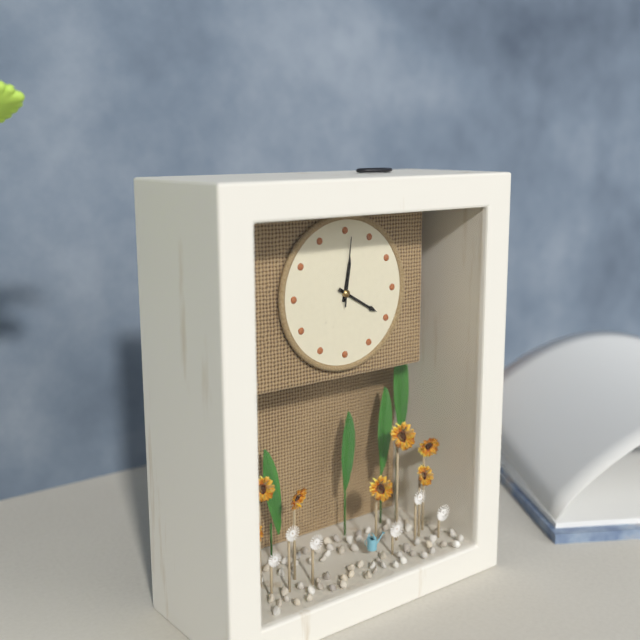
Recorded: 12h20m01s
